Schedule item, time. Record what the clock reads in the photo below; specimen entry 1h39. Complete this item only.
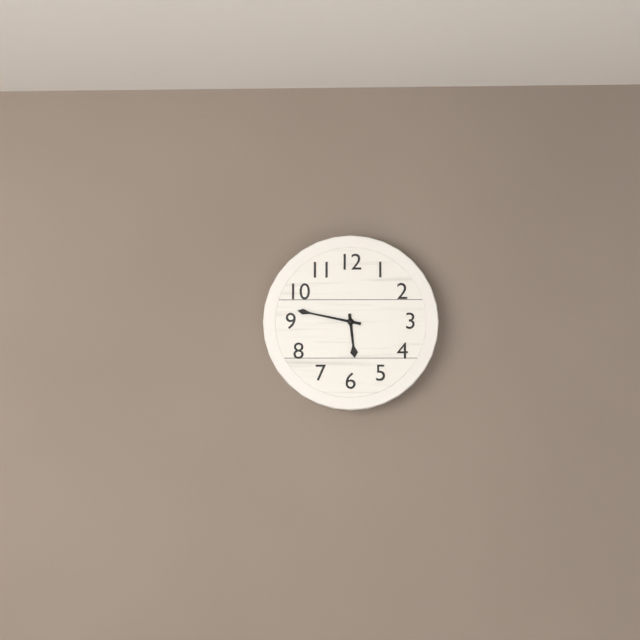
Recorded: 5h47
